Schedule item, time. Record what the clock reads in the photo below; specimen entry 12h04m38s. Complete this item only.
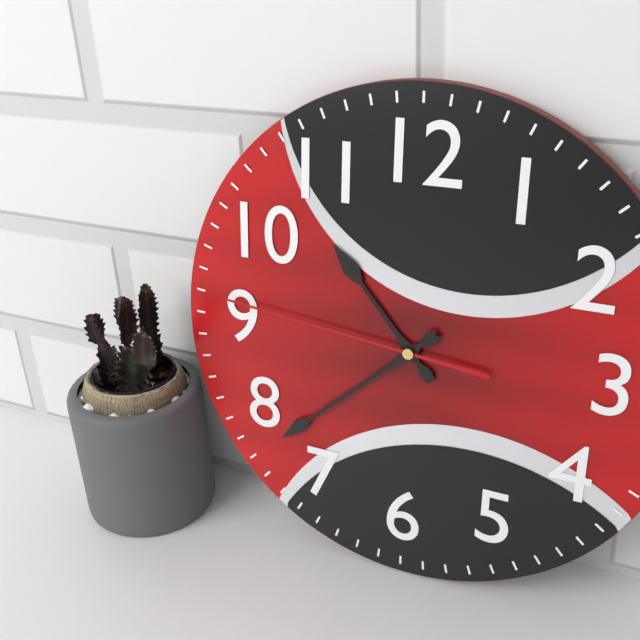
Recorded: 10h38m46s
